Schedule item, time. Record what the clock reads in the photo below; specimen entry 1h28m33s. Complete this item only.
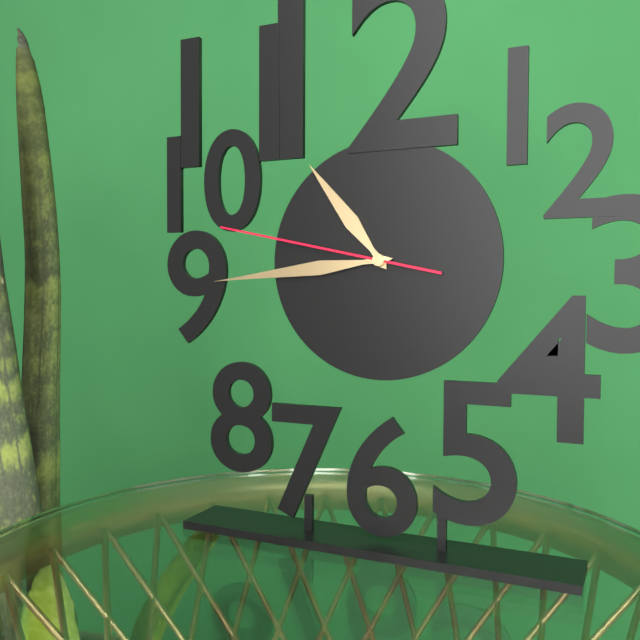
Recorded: 10h44m47s
